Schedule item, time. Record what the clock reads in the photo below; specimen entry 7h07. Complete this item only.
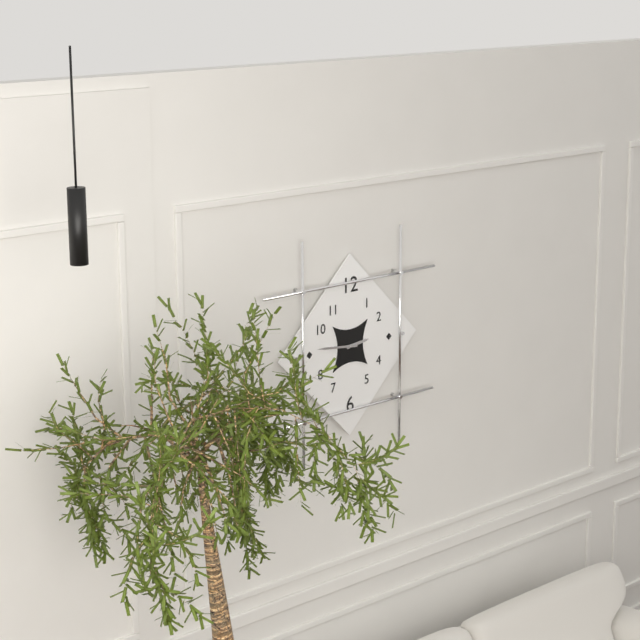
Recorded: 2h46
